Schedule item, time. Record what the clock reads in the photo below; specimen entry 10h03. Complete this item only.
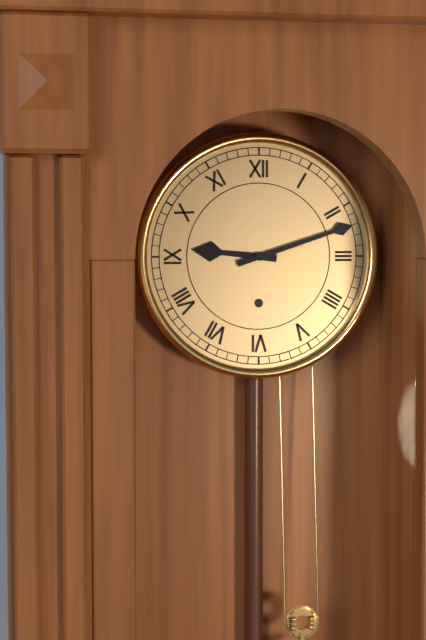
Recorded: 9h12
